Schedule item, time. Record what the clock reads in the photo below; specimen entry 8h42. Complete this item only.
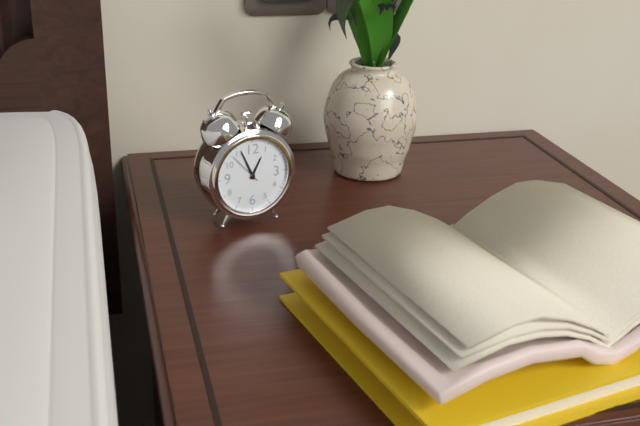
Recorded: 12h56
